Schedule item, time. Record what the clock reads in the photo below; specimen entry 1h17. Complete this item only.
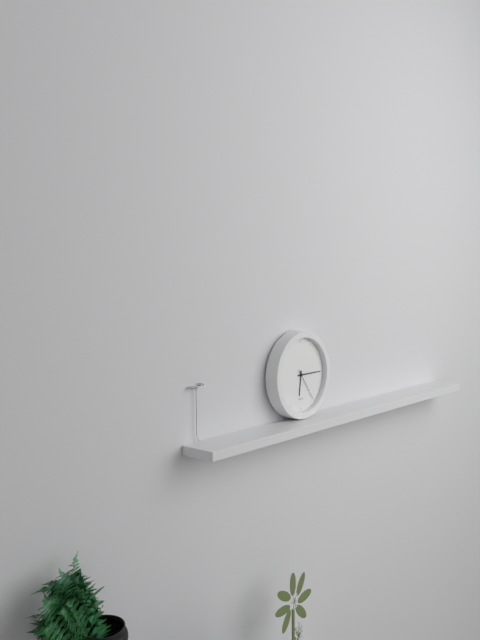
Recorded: 6h15
